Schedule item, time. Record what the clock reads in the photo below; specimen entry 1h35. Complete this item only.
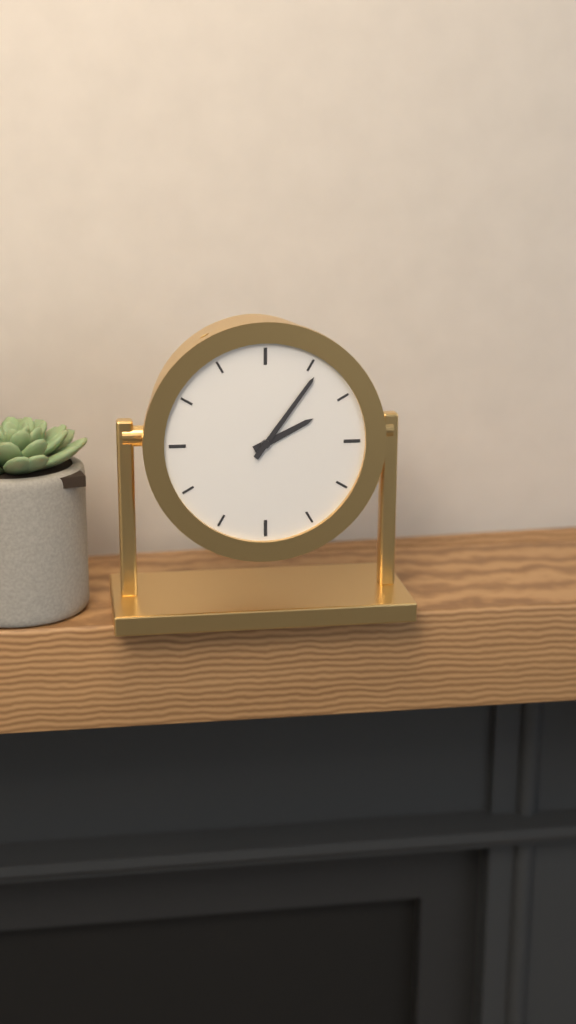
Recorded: 2h06
